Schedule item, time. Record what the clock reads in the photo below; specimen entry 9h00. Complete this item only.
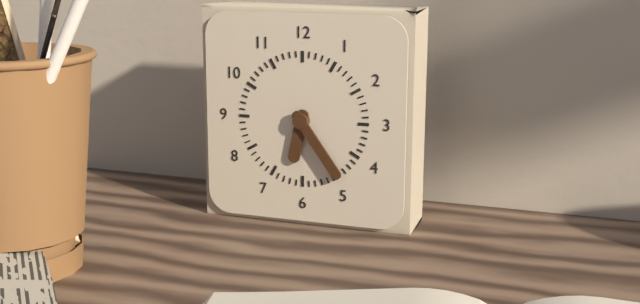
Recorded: 6h24
